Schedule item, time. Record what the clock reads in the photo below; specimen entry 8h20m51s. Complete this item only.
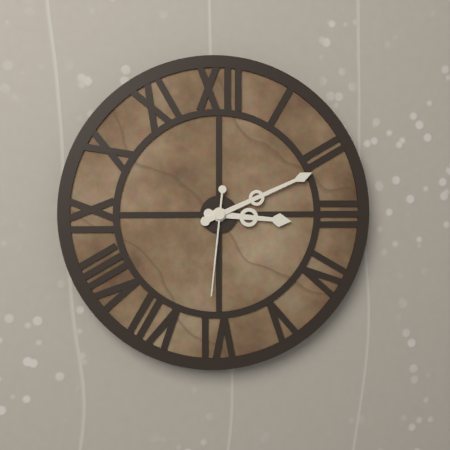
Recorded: 3h11m31s
